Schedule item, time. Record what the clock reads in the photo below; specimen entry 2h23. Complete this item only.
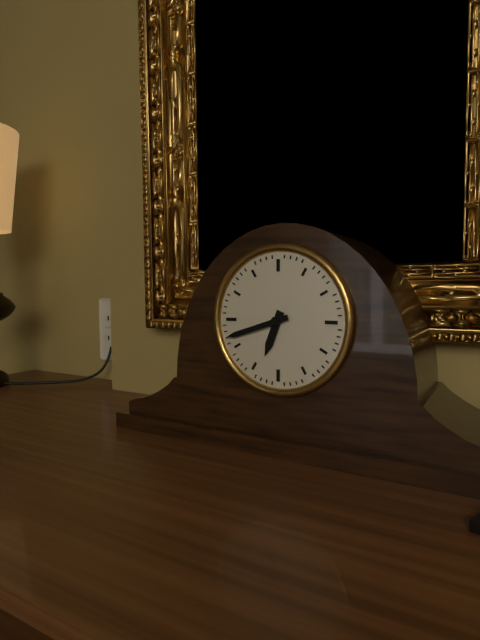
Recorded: 6h42
